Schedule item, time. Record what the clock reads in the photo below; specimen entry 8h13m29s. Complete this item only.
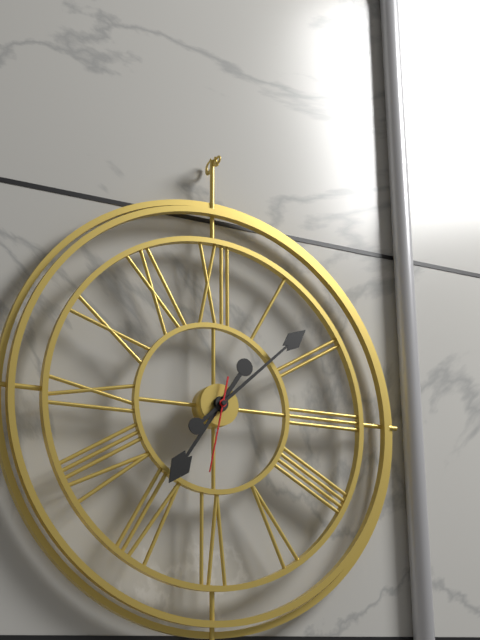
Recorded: 7h08m32s
